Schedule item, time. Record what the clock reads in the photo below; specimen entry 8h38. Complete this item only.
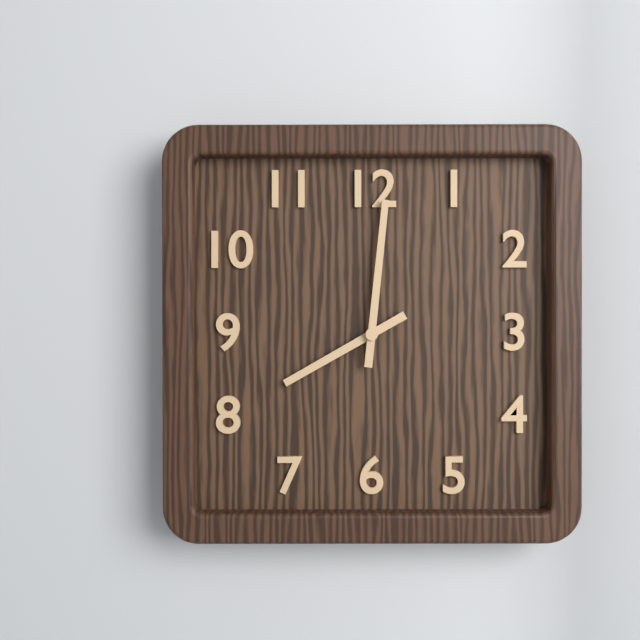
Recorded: 8h01
